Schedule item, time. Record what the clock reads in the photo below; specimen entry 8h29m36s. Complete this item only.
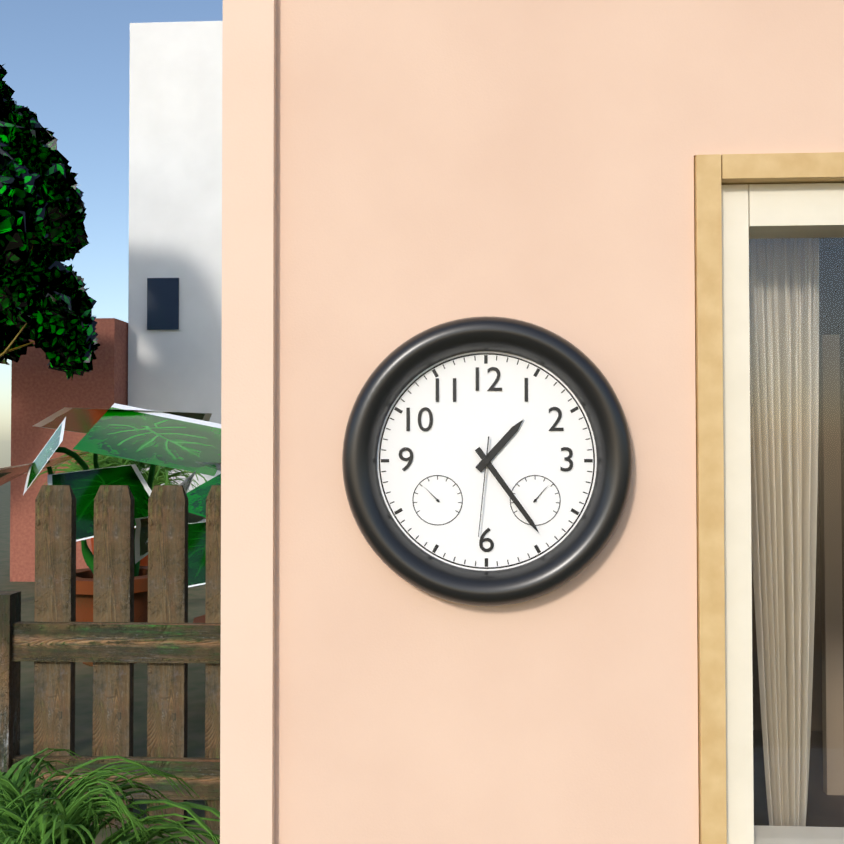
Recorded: 1h24m31s
